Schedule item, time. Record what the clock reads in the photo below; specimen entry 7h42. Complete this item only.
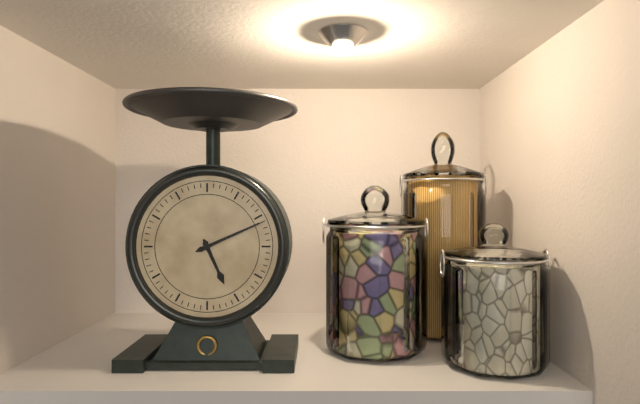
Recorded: 5h11
